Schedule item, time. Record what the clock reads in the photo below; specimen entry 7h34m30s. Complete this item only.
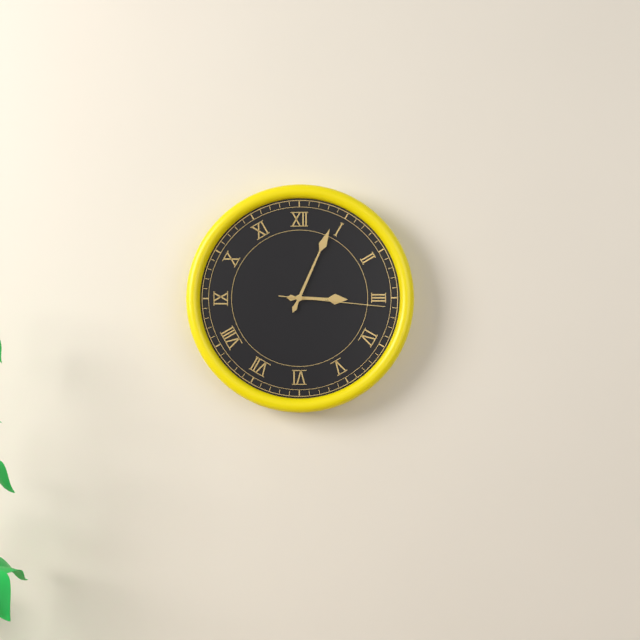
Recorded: 3h04m16s
